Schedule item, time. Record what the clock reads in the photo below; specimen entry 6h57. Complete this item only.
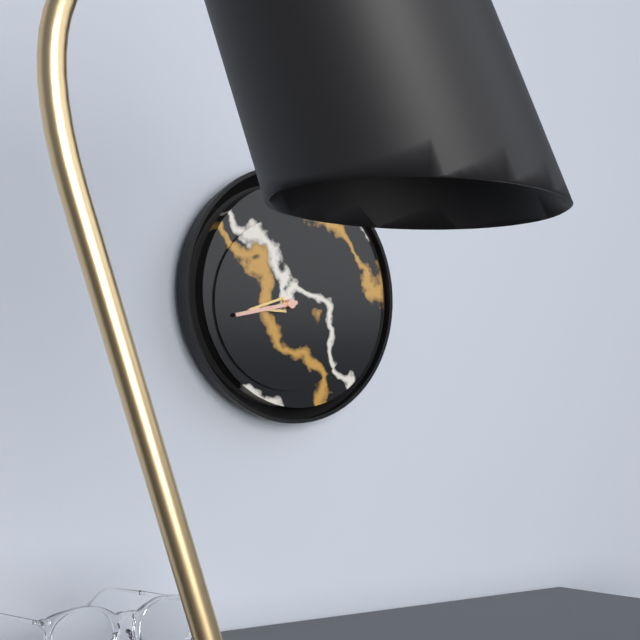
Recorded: 8h43
